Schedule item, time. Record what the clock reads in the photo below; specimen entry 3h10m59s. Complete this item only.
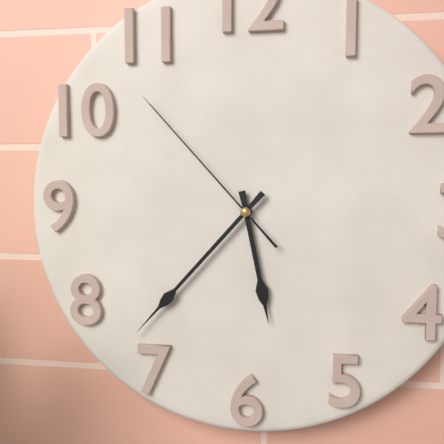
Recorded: 5h37m53s
